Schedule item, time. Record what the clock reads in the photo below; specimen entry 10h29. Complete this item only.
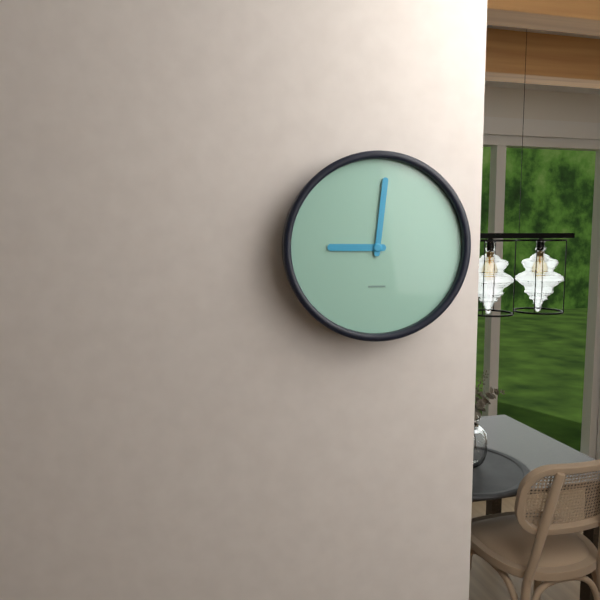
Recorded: 9h01
